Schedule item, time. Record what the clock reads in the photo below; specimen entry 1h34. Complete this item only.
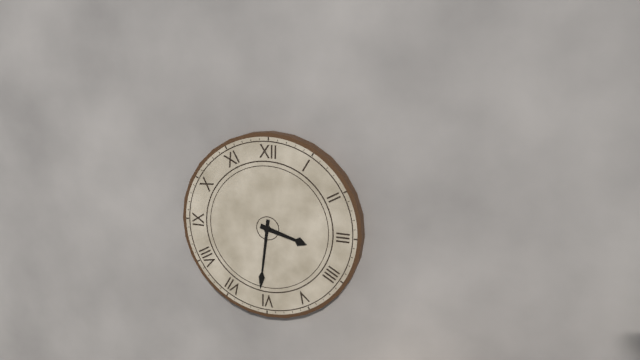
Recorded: 3h31
